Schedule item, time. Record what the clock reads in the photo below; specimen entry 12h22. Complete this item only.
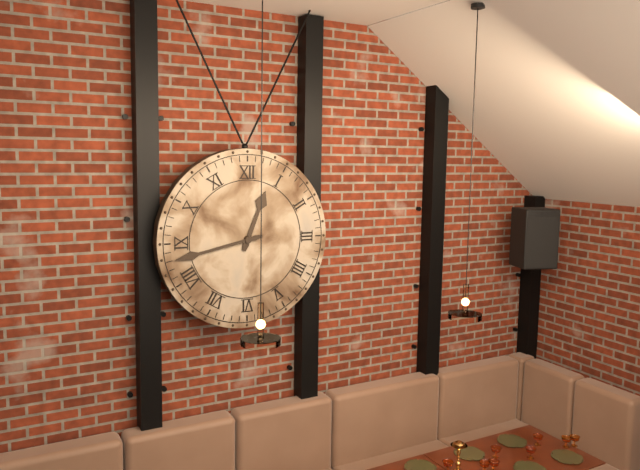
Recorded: 12h43
